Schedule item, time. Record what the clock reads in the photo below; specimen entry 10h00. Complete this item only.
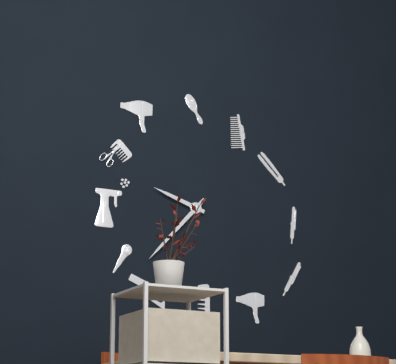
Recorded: 9h37
